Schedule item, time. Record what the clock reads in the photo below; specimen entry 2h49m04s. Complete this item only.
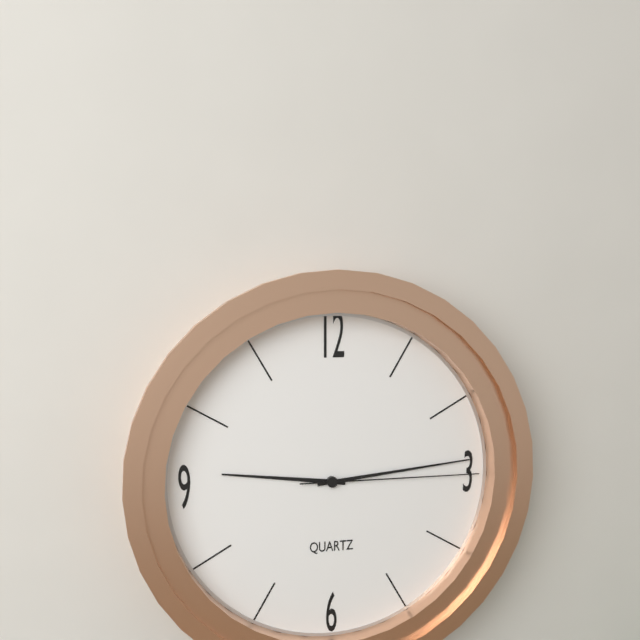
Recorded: 9h14m15s
